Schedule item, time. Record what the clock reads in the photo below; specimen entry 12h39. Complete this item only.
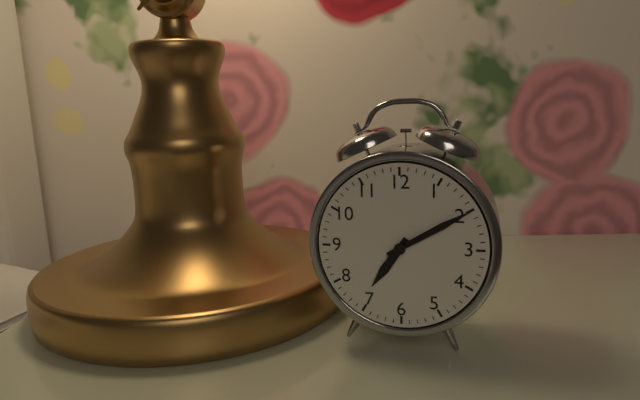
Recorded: 7h10
